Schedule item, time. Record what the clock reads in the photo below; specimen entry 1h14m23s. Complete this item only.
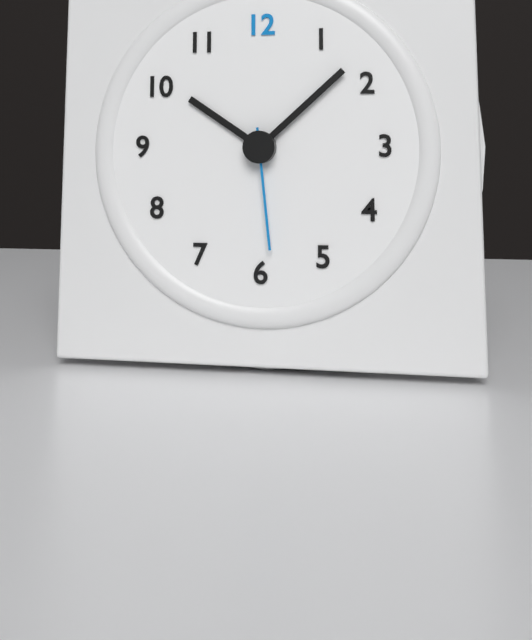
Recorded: 10h08m29s
